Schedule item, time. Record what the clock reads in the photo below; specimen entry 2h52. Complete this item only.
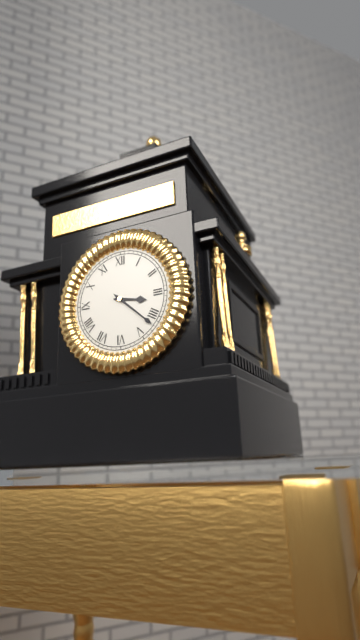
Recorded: 3h22
